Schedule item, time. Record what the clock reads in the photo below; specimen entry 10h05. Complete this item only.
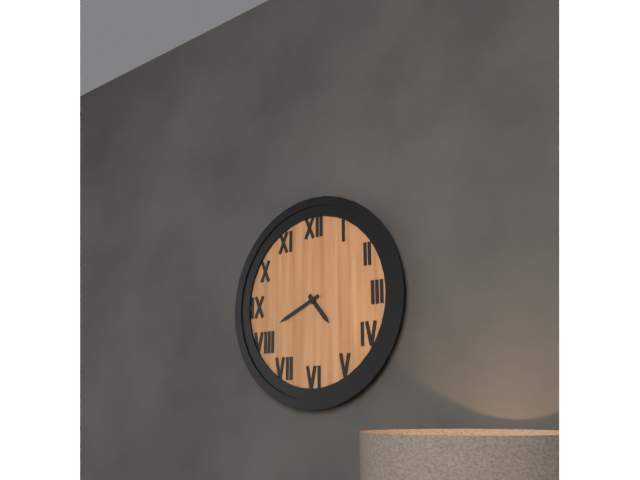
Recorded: 4h41
